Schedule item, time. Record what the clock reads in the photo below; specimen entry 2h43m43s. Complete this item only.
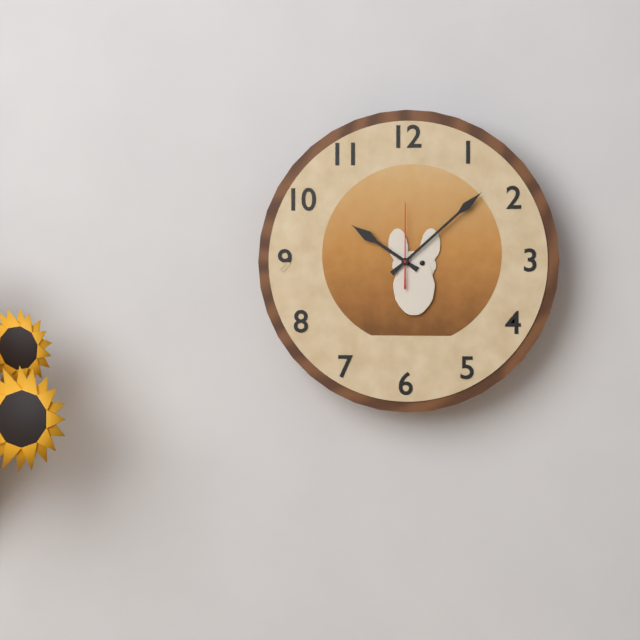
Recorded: 10h08m00s
